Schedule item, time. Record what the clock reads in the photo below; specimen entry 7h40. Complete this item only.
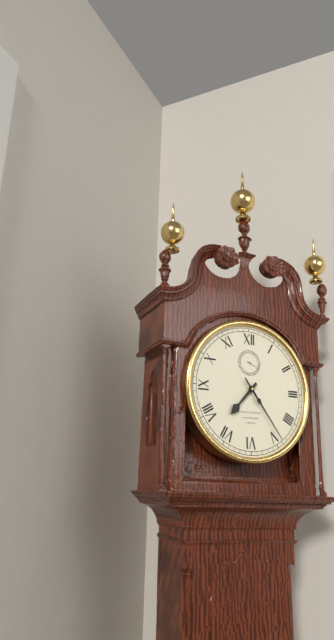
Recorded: 7h24
